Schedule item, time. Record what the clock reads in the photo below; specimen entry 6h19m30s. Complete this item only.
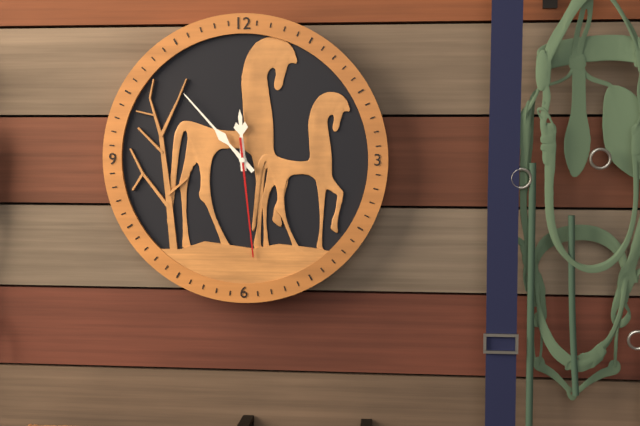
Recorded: 11h53m29s
